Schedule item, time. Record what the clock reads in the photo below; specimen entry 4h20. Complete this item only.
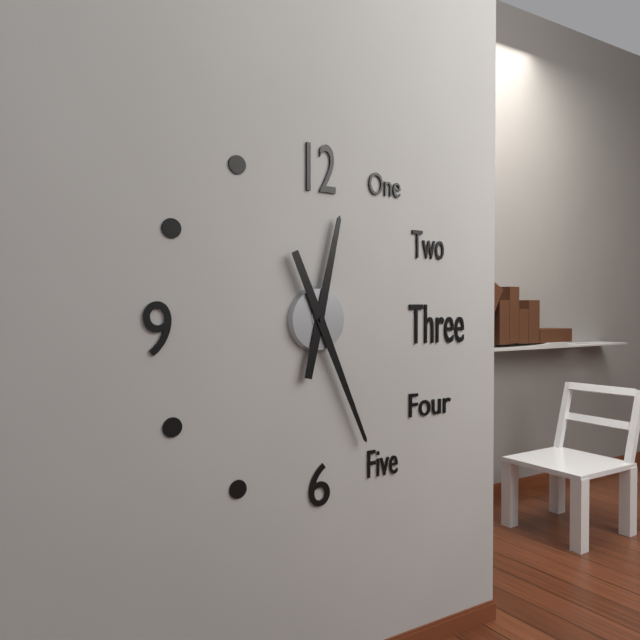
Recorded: 12h26
